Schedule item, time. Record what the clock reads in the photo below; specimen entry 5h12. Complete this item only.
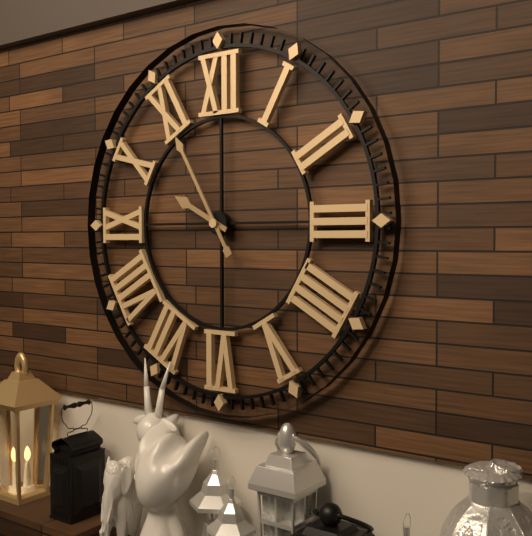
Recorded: 9h55
